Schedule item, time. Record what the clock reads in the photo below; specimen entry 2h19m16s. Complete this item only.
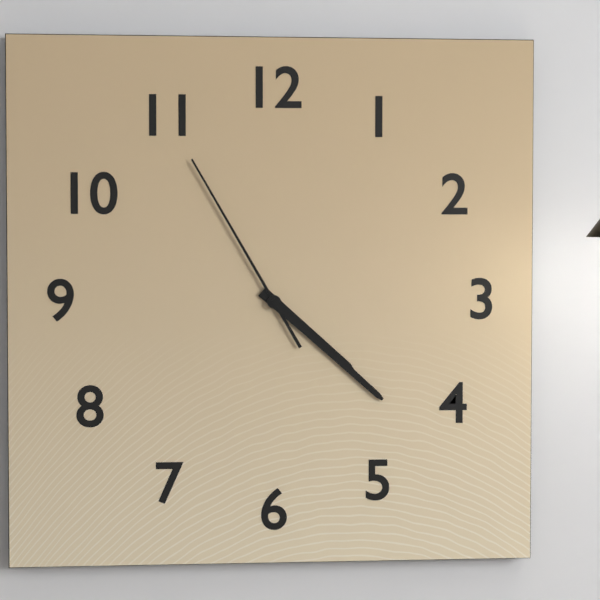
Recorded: 4h22m55s
